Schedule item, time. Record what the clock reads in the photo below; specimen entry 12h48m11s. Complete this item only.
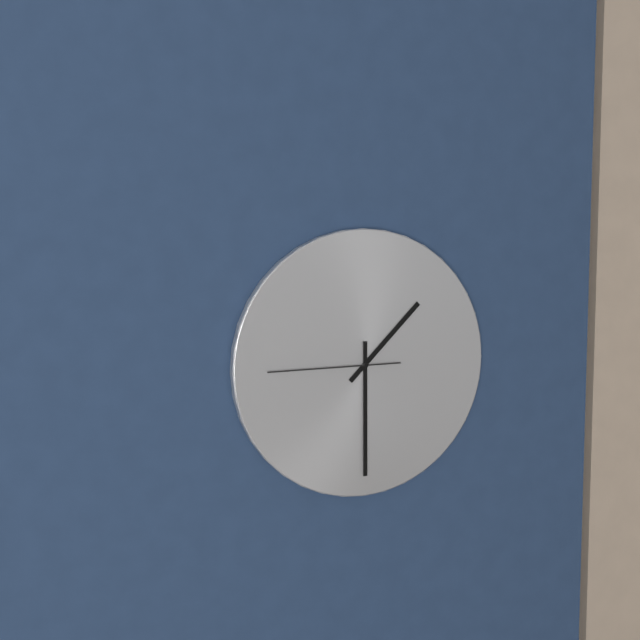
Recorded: 1h30m45s
